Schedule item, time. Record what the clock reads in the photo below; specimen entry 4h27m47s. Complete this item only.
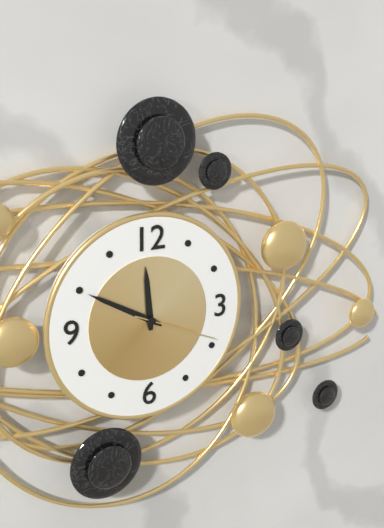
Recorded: 11h50m19s
